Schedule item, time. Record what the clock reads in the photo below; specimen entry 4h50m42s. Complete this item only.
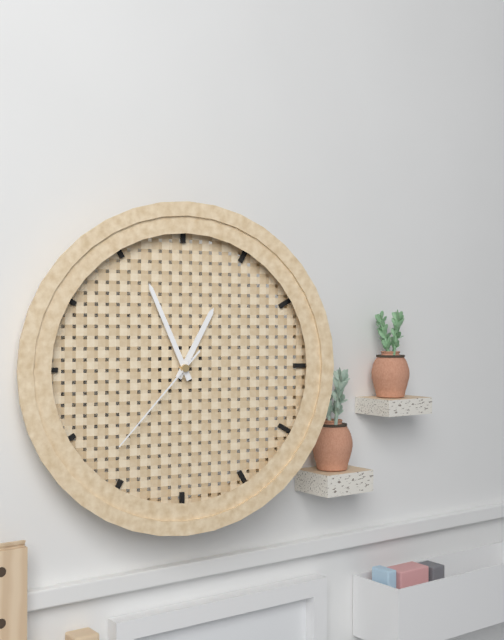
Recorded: 12h56m37s
